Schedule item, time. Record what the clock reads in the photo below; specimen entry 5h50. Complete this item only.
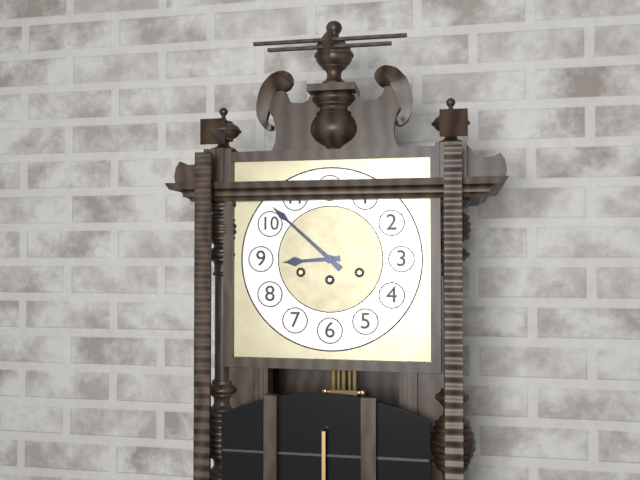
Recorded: 8h52
